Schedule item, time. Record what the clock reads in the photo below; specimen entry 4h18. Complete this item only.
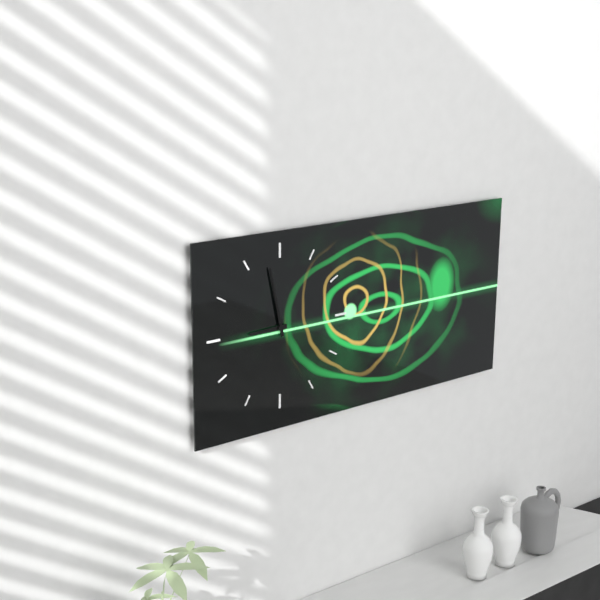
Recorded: 8h58
